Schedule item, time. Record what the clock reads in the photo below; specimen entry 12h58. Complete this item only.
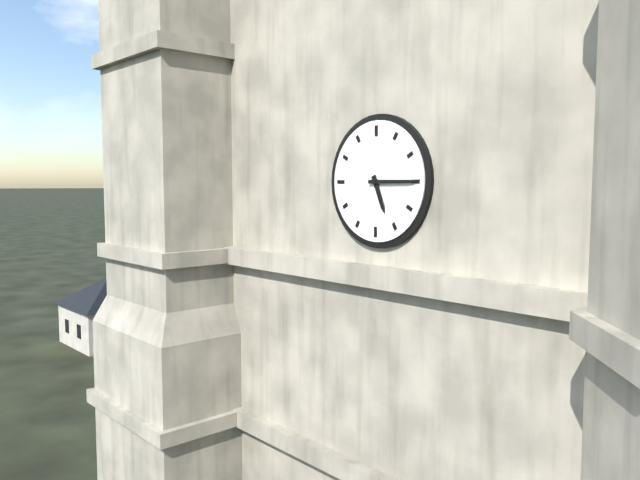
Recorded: 5h15
